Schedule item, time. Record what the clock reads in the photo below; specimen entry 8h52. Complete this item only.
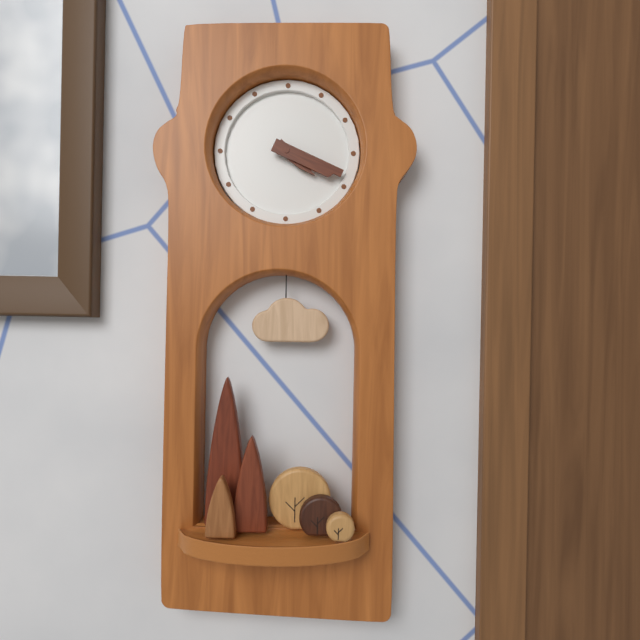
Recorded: 4h19
